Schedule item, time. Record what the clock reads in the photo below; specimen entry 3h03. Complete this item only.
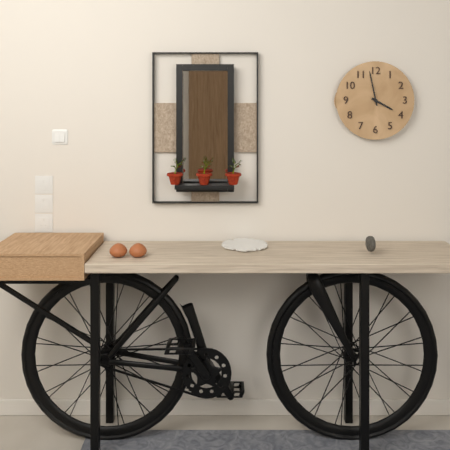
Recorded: 3h58
